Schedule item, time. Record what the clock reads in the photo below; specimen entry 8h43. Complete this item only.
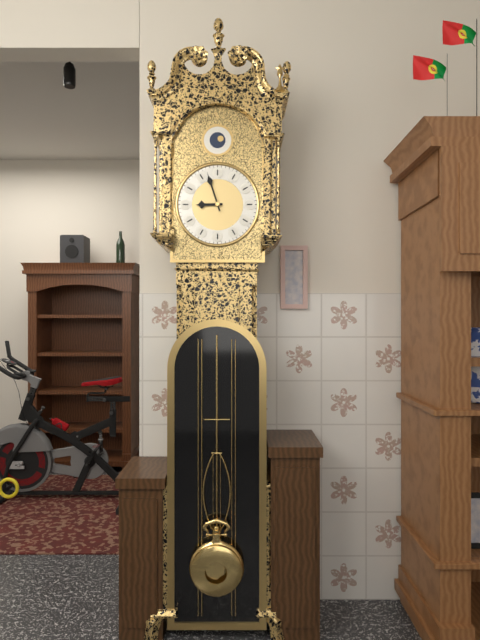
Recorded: 8h57
